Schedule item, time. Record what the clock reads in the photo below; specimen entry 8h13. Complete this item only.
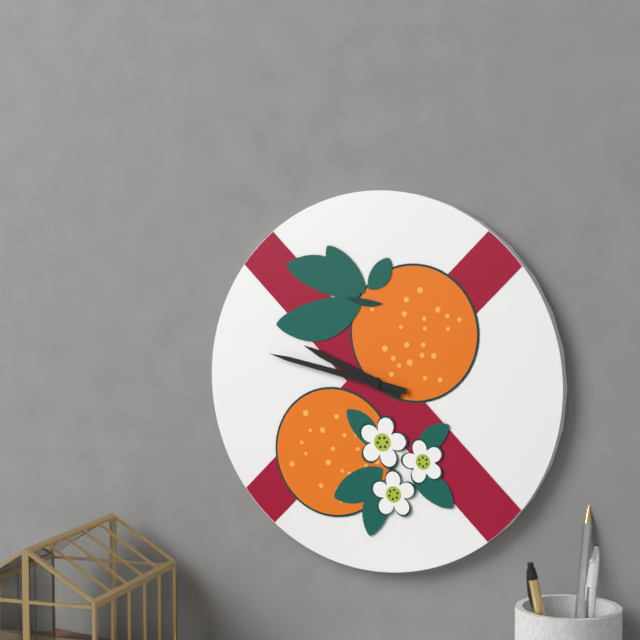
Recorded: 9h47
